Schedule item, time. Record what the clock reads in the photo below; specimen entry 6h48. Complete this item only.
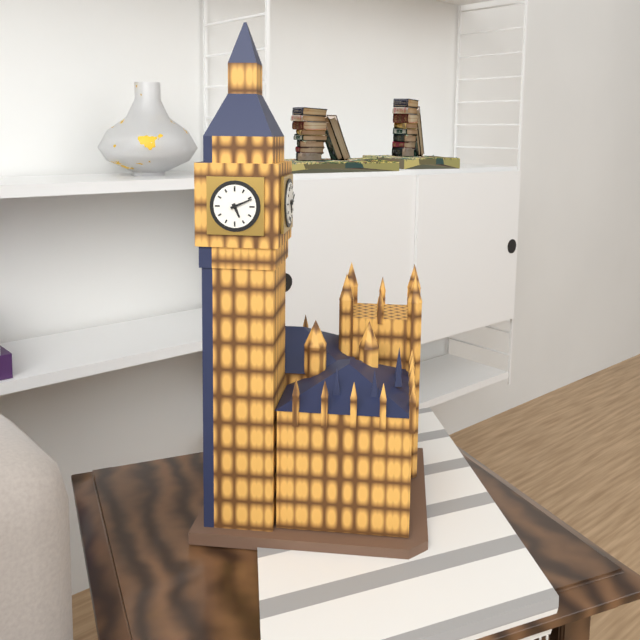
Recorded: 5h11
